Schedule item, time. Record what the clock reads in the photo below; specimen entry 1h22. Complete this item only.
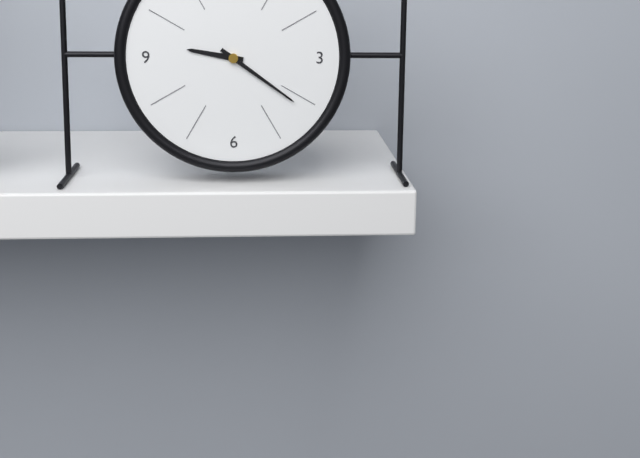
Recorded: 9h21
